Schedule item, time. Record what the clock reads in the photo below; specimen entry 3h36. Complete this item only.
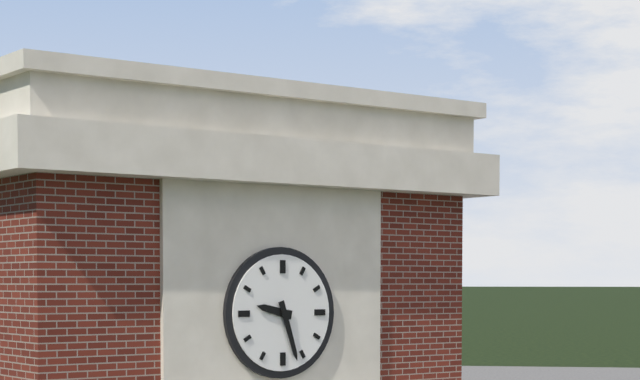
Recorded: 9h27
